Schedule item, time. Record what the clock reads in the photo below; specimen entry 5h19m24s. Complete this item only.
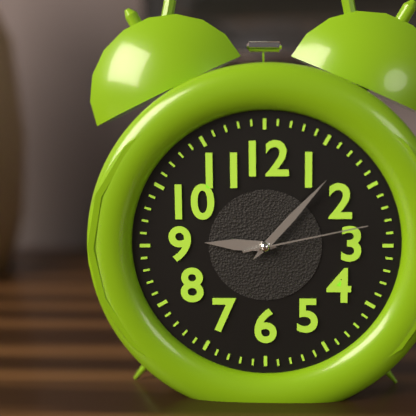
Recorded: 9h07m13s
